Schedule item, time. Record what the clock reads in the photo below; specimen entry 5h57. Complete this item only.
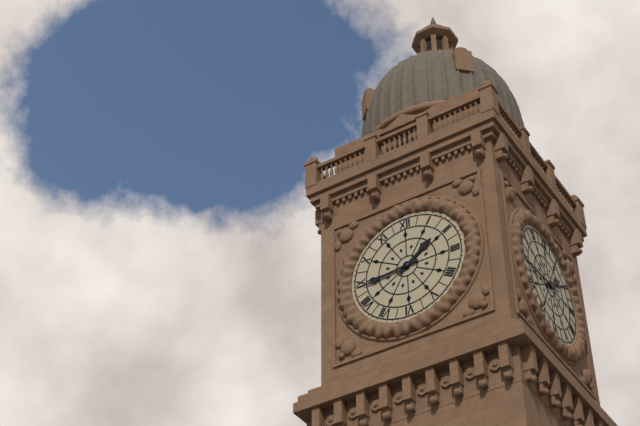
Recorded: 1h44
